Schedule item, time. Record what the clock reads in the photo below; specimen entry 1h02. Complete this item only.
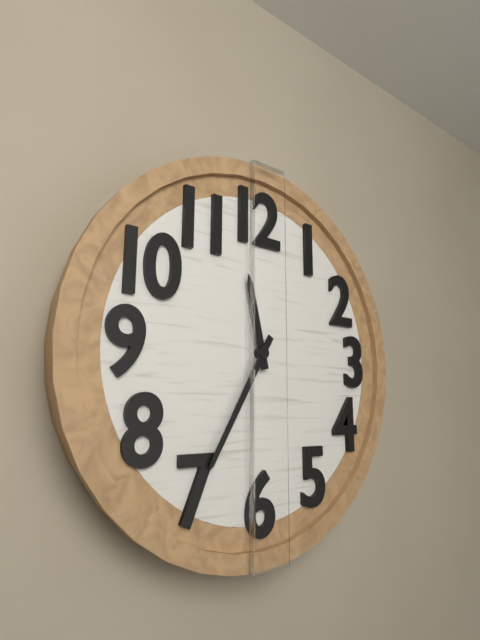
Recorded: 11h35
